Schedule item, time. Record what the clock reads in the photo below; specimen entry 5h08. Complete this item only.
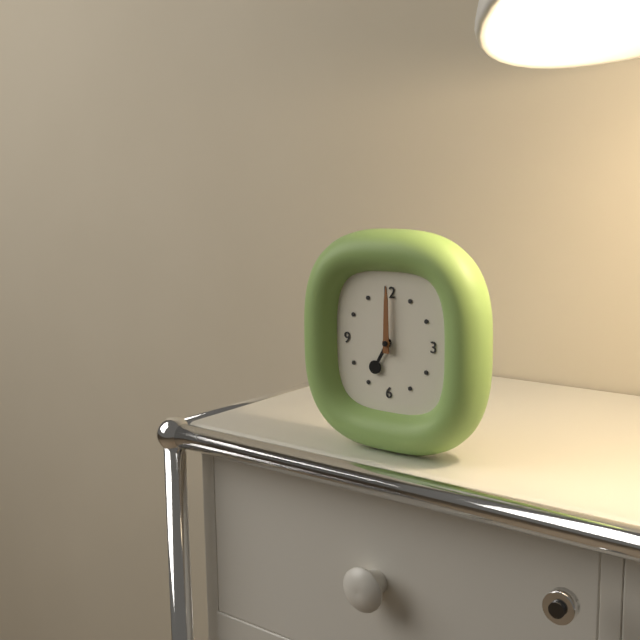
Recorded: 7h00
